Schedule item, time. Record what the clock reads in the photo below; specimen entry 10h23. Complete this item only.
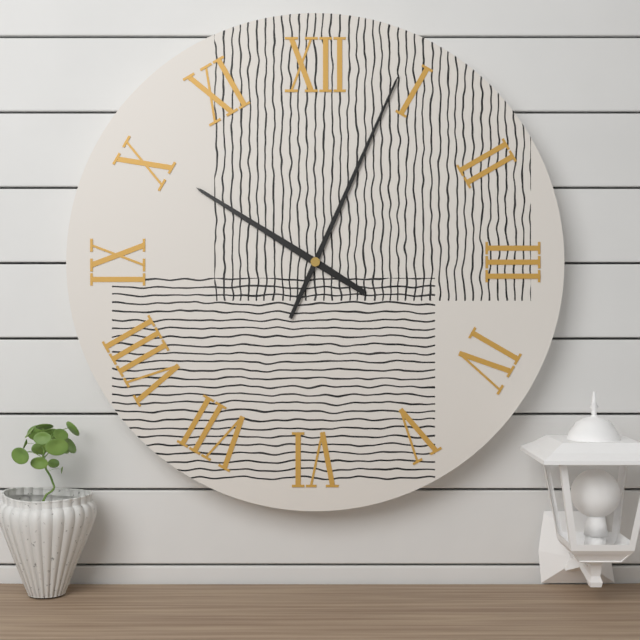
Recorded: 10h04
